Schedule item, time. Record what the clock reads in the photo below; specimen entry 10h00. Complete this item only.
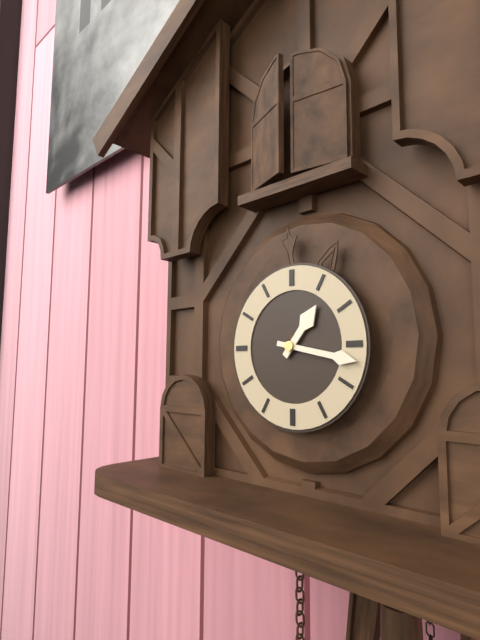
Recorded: 1h17
